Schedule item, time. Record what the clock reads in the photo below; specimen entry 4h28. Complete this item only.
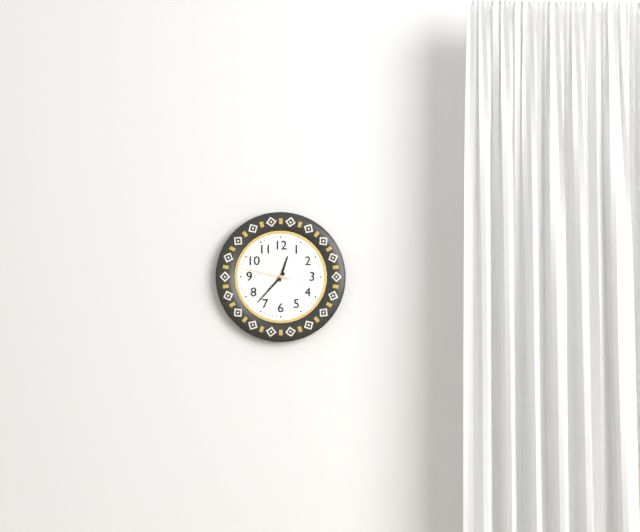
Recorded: 12h37
